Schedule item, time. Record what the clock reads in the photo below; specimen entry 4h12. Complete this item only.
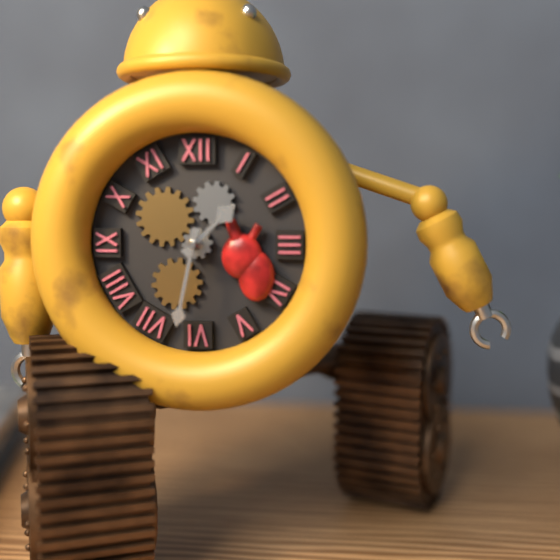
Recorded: 1h32
